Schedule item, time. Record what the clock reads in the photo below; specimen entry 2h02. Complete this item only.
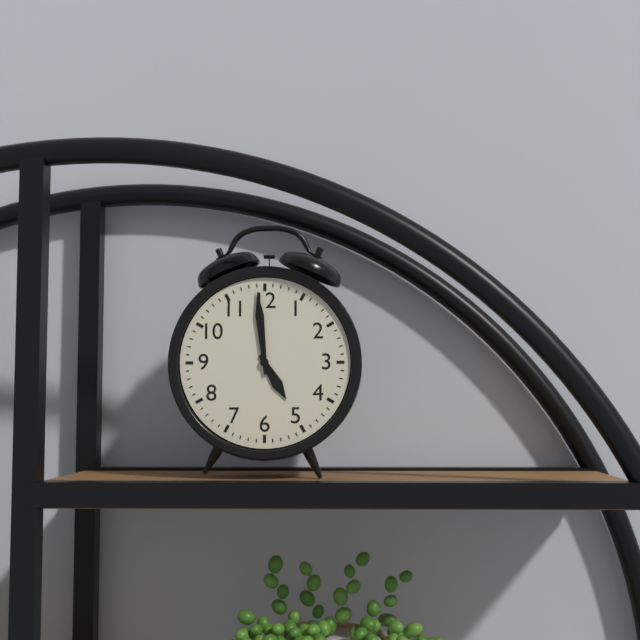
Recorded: 4h59
